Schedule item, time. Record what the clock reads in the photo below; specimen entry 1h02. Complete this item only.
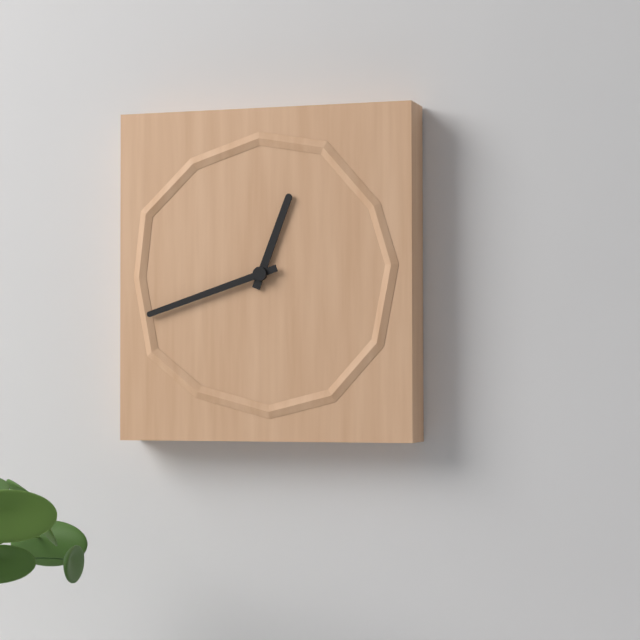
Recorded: 12h42
